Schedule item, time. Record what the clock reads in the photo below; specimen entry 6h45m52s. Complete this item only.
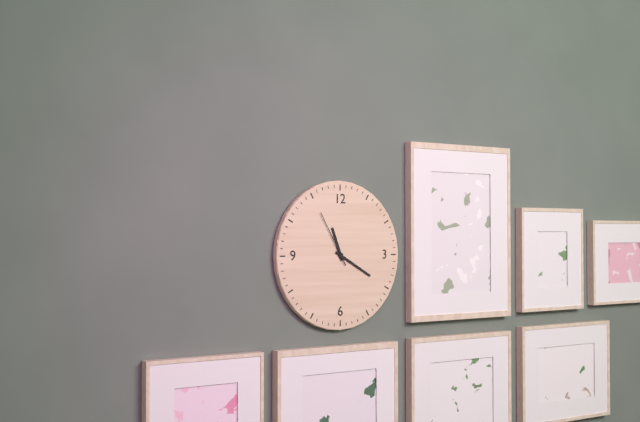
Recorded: 11h20m55s
